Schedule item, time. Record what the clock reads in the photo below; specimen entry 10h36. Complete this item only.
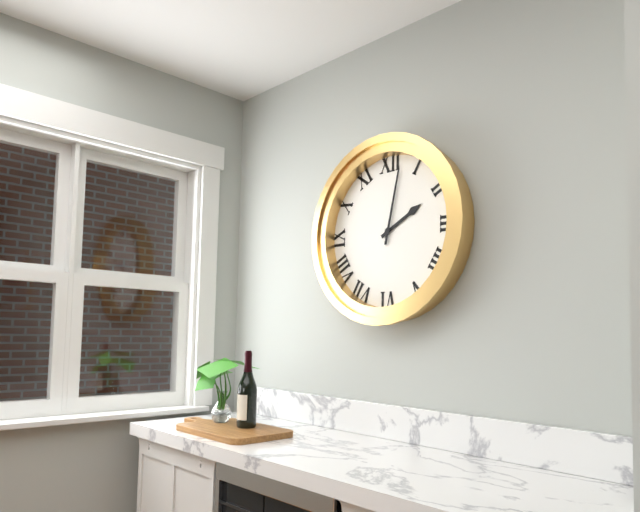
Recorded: 2h02
